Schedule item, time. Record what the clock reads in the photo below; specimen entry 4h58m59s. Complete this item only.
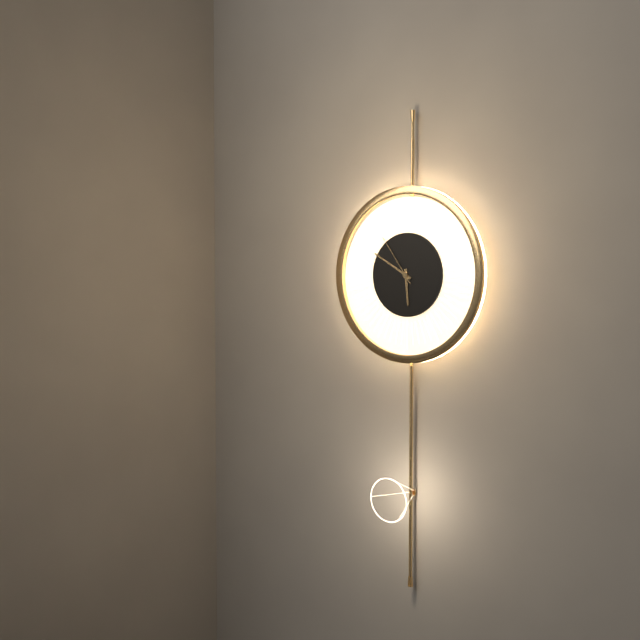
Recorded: 5h50m54s
